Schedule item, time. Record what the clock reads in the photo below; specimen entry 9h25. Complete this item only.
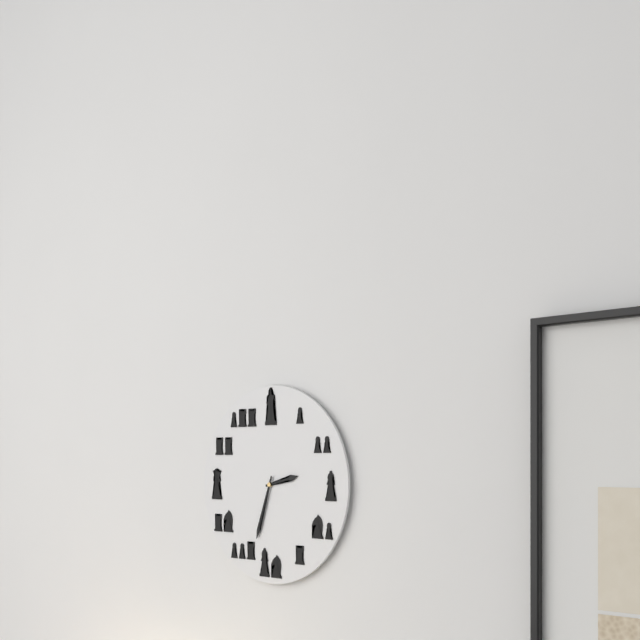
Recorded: 2h33
